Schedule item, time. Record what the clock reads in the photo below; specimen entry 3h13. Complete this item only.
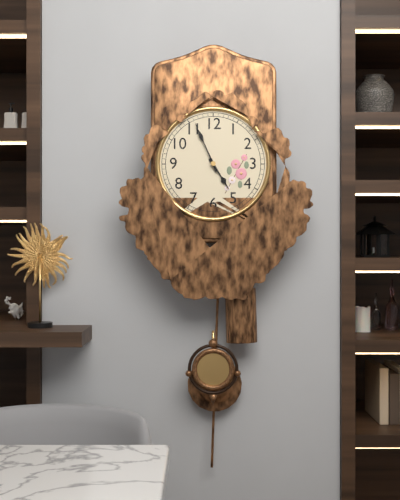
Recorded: 4h56
